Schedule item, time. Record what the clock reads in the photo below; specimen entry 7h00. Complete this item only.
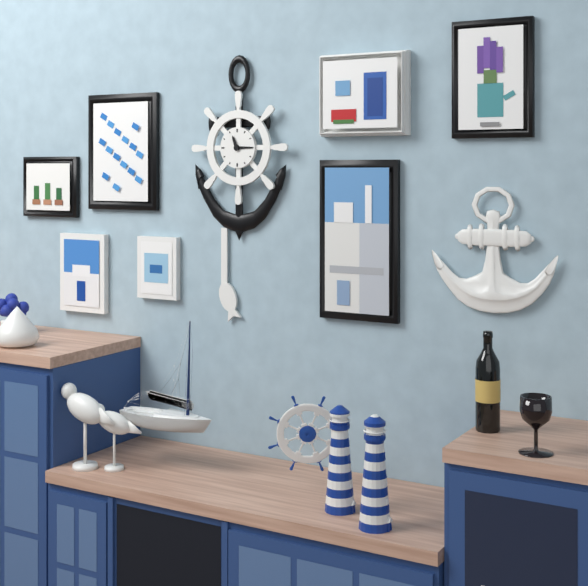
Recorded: 11h15
